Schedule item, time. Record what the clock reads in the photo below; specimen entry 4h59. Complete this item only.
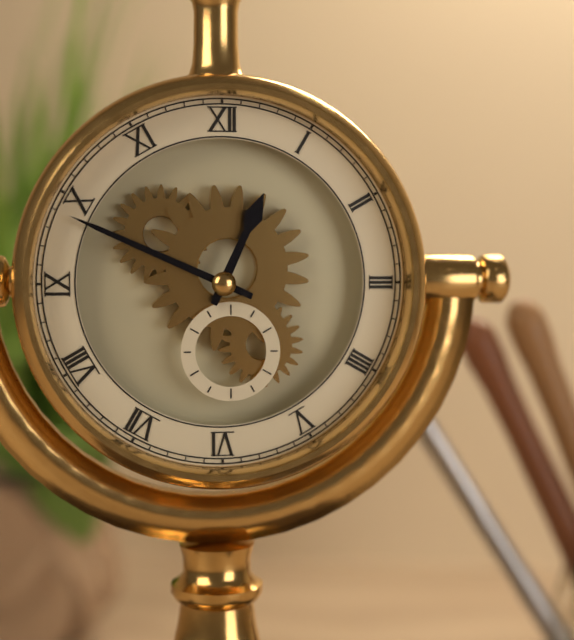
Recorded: 12h49
